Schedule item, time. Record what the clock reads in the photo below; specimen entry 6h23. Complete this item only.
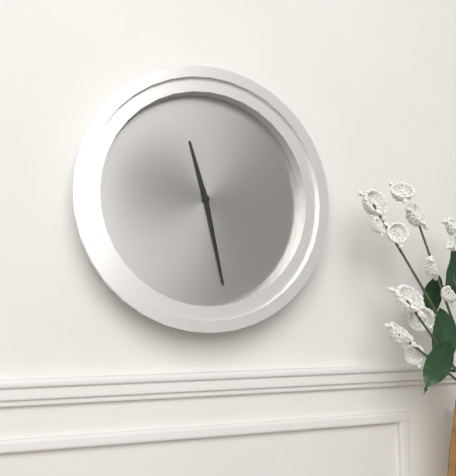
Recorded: 11h28
